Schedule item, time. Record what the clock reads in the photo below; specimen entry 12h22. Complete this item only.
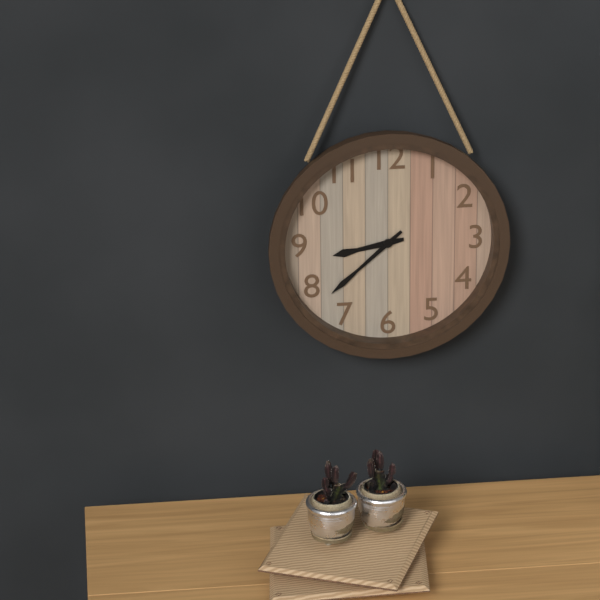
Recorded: 8h38
